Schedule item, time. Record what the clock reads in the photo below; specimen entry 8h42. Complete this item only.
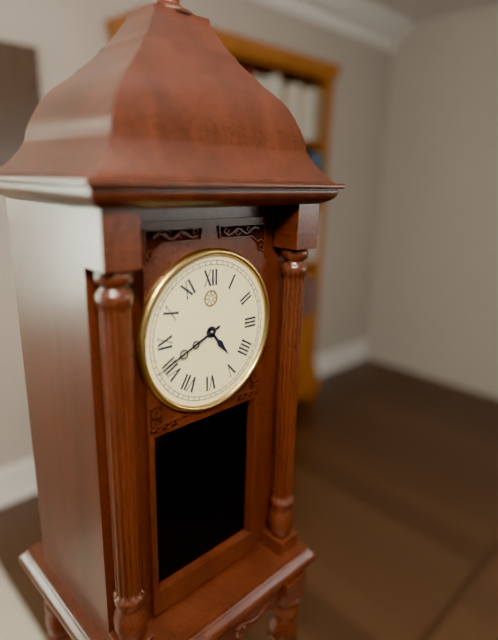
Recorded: 4h41
